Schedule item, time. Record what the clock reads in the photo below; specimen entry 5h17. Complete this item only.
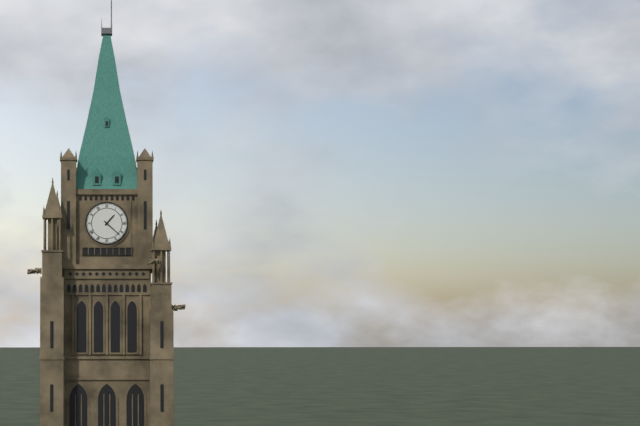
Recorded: 1h22
